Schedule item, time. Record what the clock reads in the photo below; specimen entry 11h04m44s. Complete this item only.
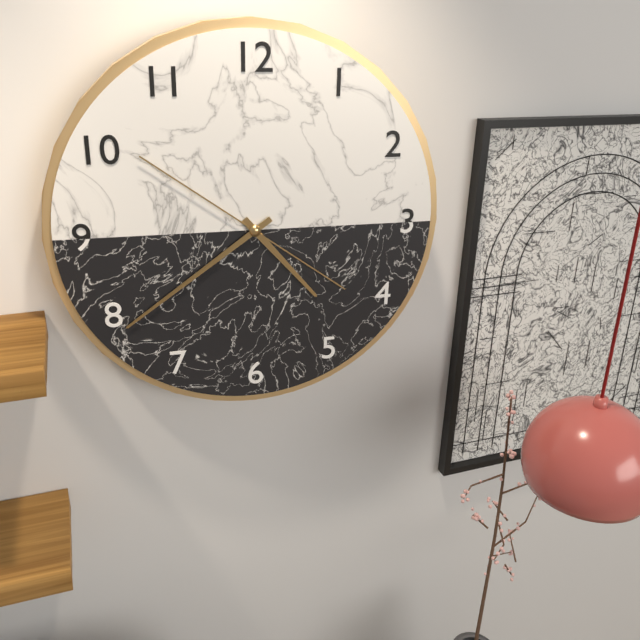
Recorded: 4h39m51s
